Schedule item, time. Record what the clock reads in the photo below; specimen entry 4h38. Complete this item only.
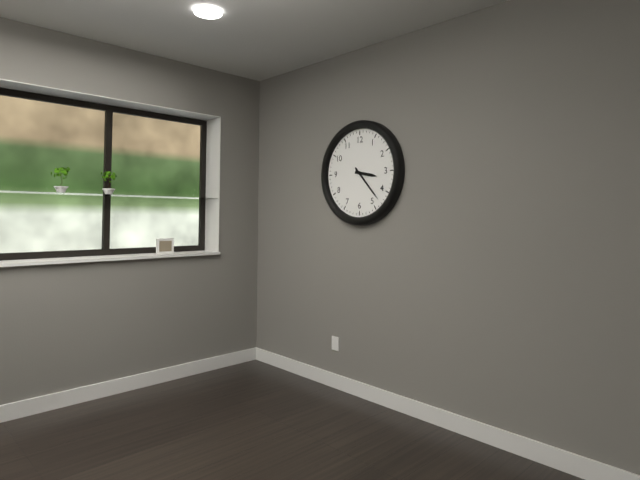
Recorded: 3h23
